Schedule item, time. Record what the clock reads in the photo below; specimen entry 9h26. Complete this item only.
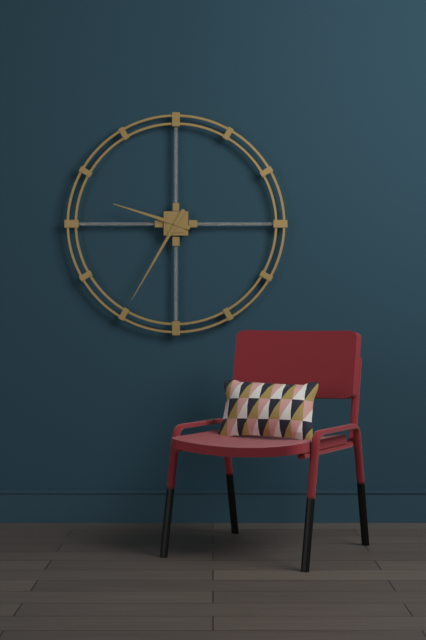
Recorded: 9h35
